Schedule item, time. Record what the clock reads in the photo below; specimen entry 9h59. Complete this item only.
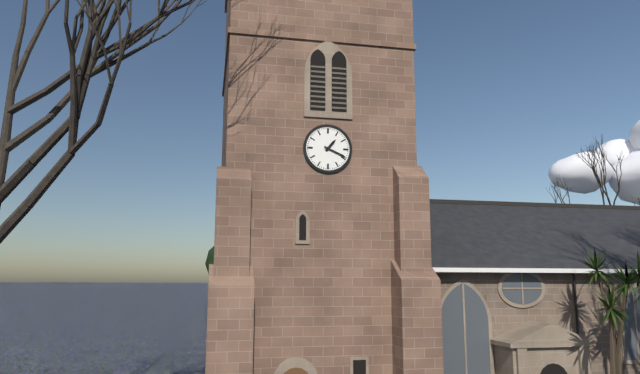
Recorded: 1h19
